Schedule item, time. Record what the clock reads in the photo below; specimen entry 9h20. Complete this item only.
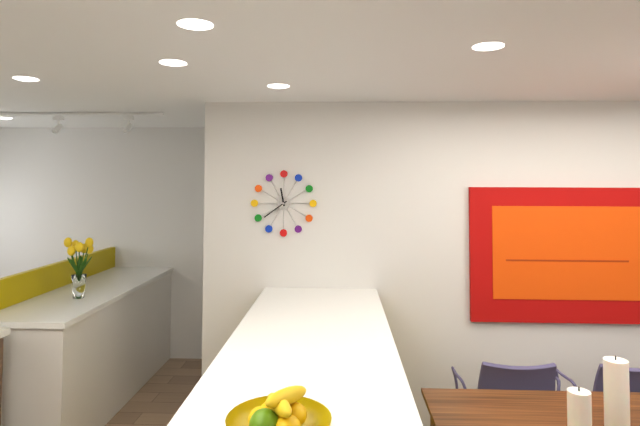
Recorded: 11h39
